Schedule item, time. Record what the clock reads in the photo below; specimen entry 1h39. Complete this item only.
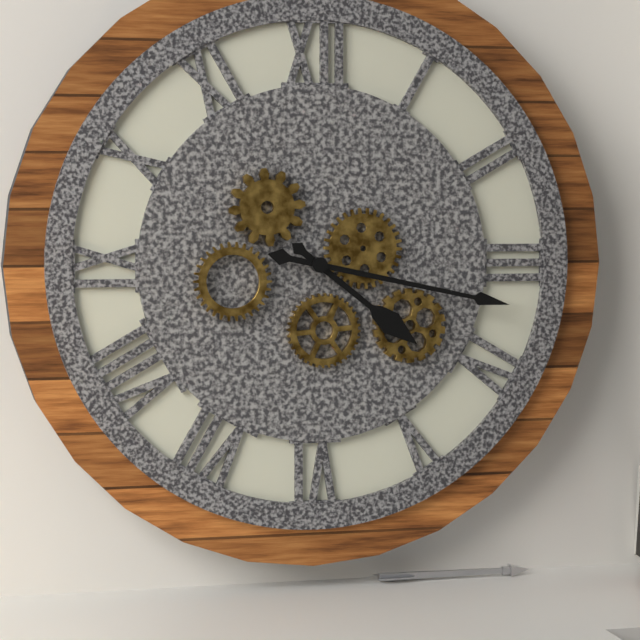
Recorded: 4h17
